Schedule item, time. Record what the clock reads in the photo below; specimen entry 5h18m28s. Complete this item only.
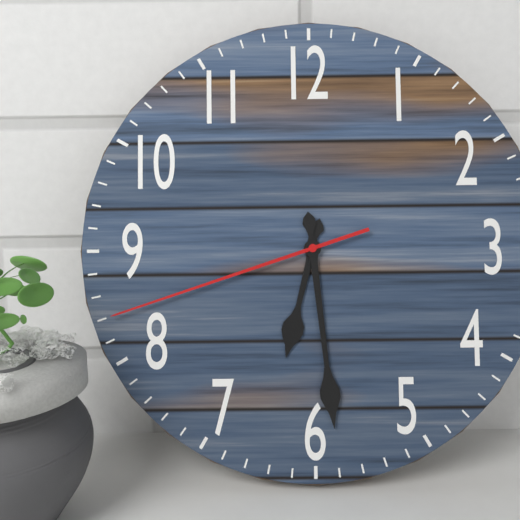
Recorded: 6h29m42s
